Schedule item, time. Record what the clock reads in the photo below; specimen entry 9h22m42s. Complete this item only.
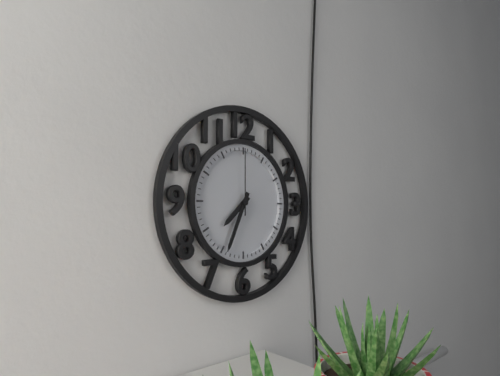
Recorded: 7h34m00s
